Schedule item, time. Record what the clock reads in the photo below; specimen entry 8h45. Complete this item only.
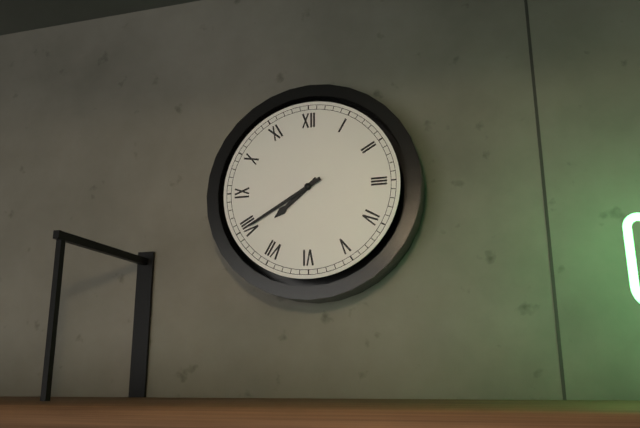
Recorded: 7h40
